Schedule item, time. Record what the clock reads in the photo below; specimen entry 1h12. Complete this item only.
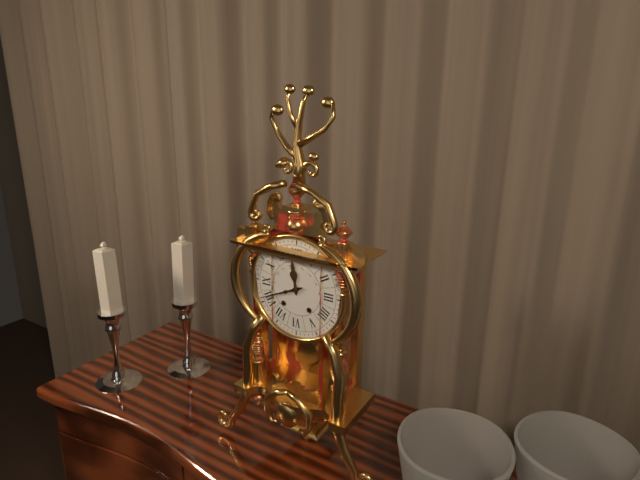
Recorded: 11h41
